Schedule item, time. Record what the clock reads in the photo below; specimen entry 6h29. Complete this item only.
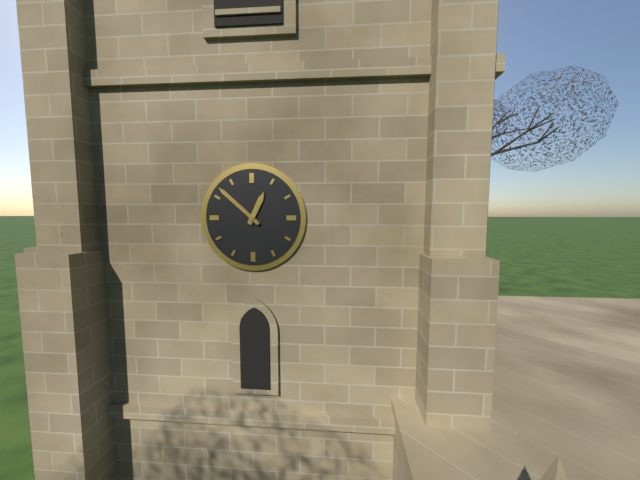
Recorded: 12h52
